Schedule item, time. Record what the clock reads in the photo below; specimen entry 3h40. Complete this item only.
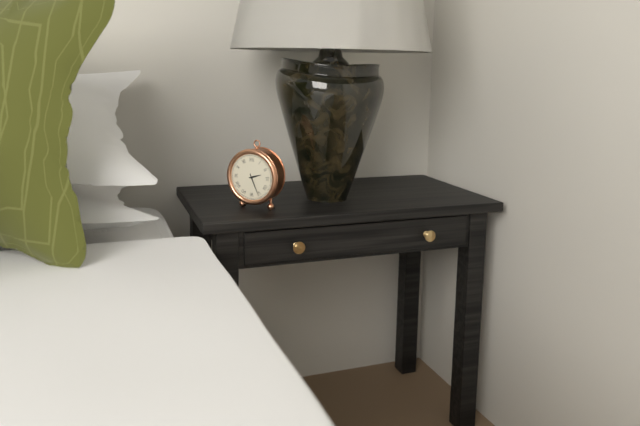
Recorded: 2h26
